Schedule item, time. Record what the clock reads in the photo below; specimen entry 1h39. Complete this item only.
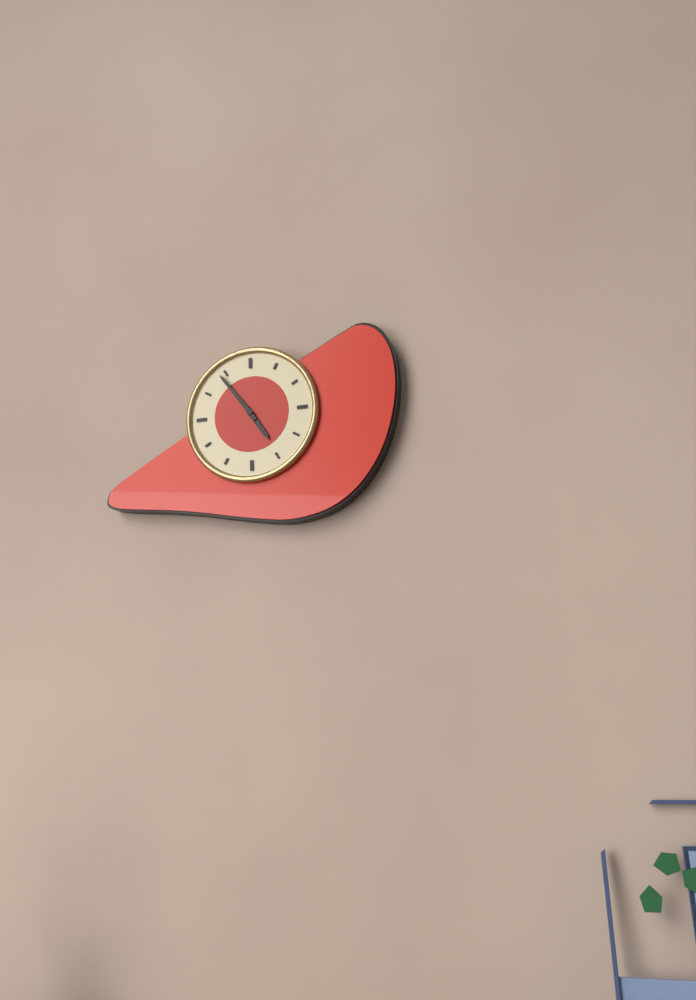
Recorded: 4h54
